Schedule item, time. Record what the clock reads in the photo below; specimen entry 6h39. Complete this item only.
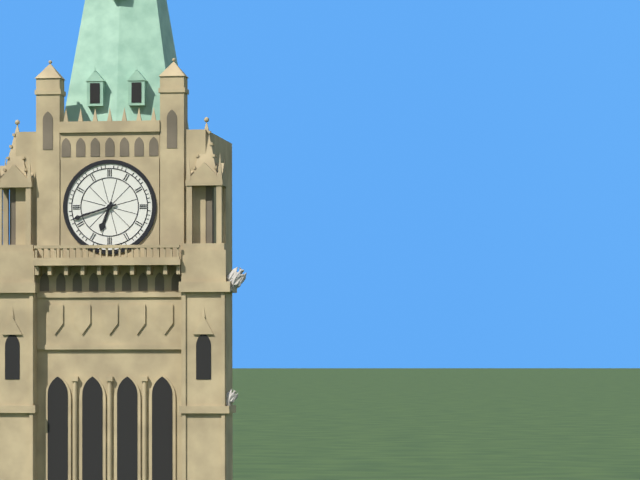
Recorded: 6h42
